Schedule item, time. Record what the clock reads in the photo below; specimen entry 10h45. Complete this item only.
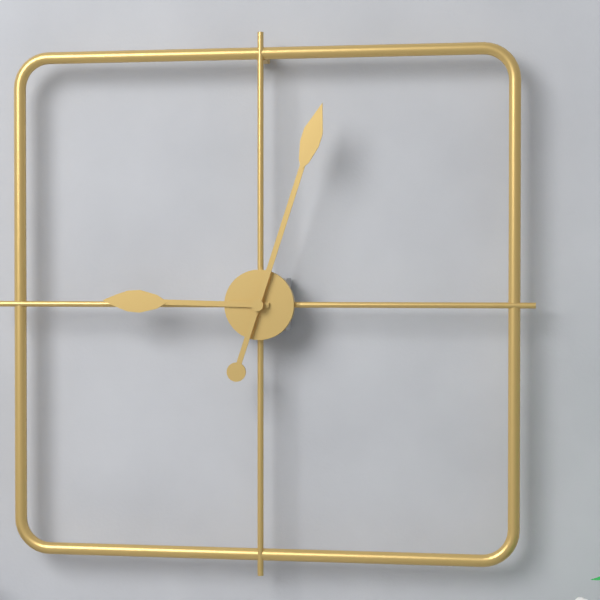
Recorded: 9h03
